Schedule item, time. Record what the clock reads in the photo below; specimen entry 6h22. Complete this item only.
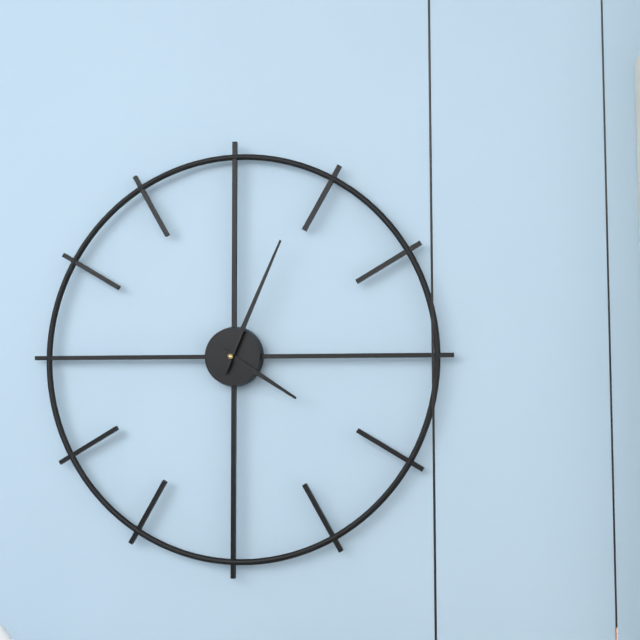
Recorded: 4h04
